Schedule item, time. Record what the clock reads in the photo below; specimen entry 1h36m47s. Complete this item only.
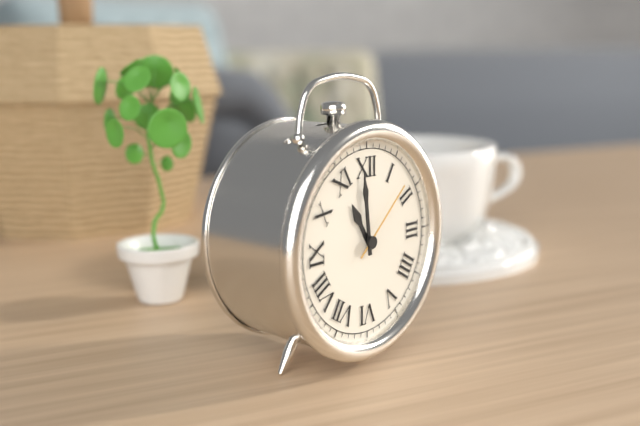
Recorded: 10h59m08s
